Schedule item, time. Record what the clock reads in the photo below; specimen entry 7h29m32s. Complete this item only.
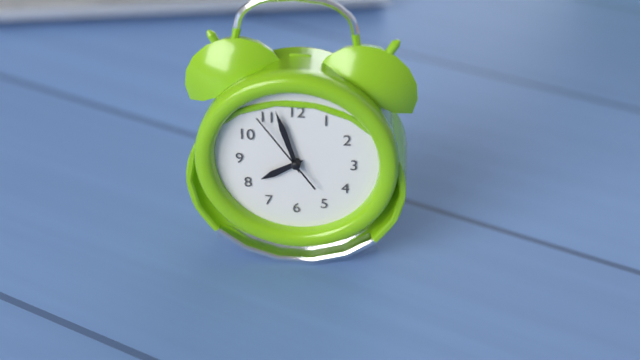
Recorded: 7h57m54s
